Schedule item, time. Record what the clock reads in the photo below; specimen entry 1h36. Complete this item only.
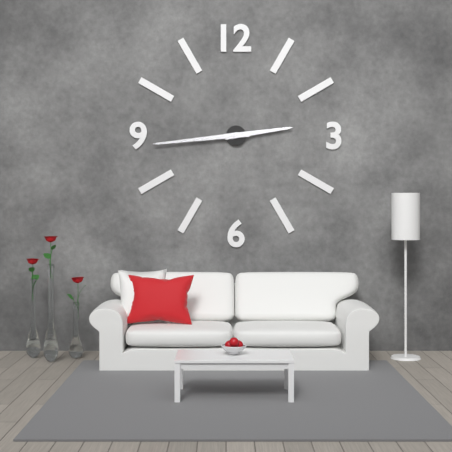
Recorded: 2h44
